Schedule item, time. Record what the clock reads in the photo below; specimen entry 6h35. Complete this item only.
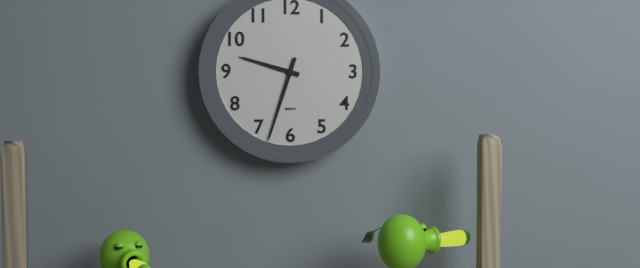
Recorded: 9h33
